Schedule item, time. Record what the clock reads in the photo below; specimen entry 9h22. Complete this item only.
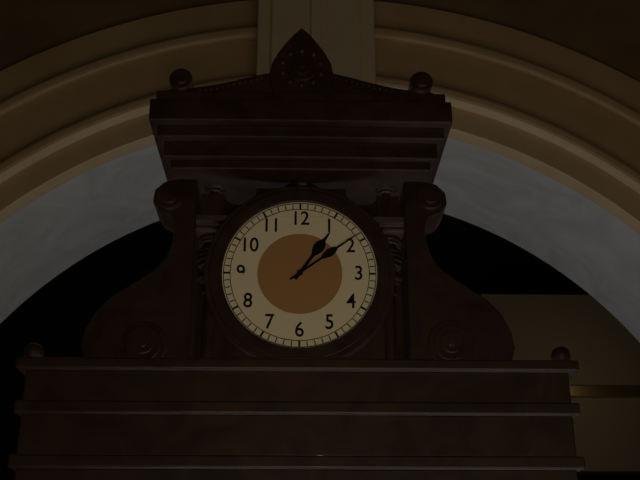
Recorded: 1h09
